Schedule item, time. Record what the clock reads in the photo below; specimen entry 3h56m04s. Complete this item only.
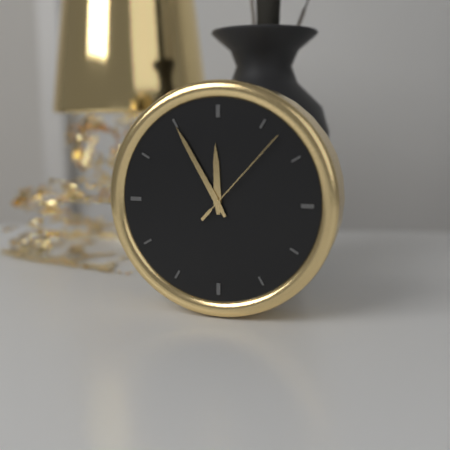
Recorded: 11h55m07s
